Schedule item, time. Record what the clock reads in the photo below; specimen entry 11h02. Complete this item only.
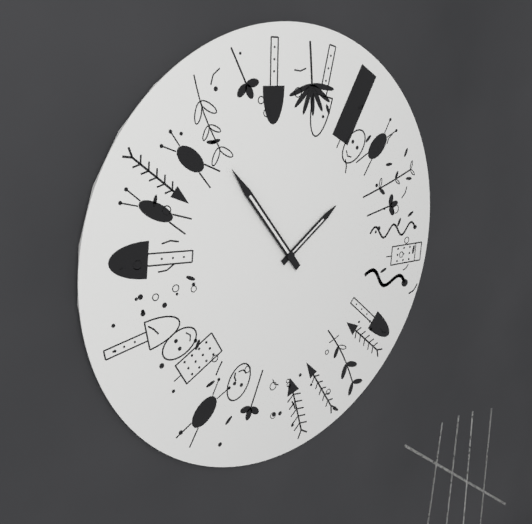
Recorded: 1h54
